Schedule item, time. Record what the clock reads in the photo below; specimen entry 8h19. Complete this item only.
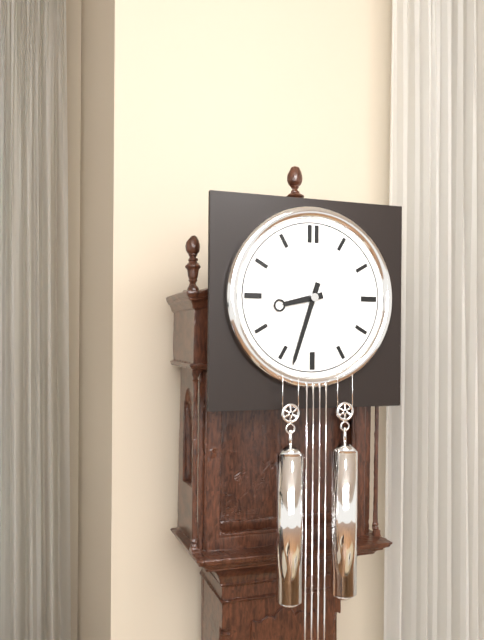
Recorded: 8h33
